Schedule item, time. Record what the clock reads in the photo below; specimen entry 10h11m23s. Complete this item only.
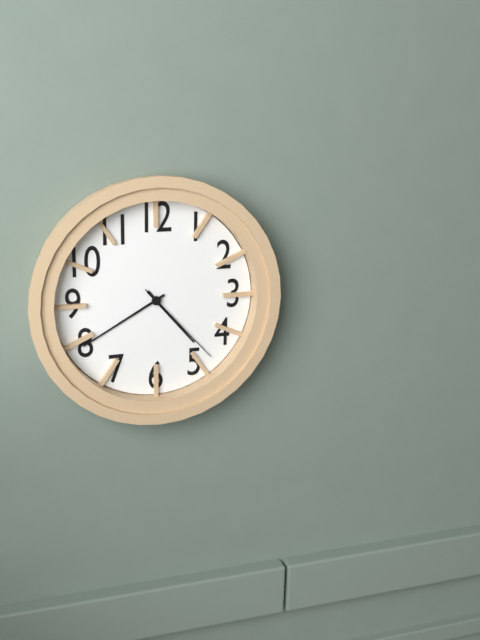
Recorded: 4h40m23s
